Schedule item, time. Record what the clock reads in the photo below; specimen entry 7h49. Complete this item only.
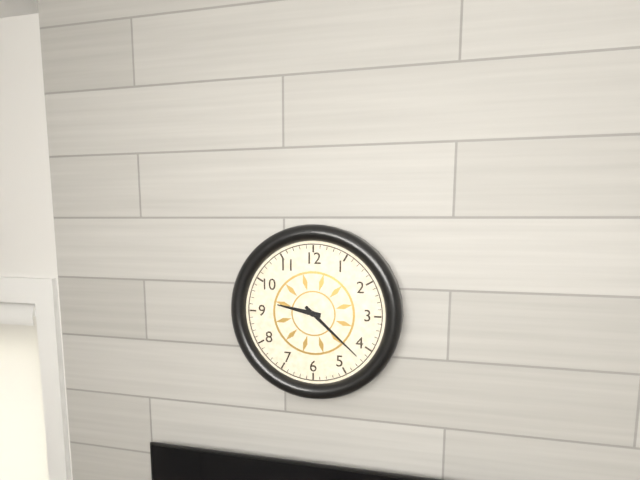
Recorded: 9h22
